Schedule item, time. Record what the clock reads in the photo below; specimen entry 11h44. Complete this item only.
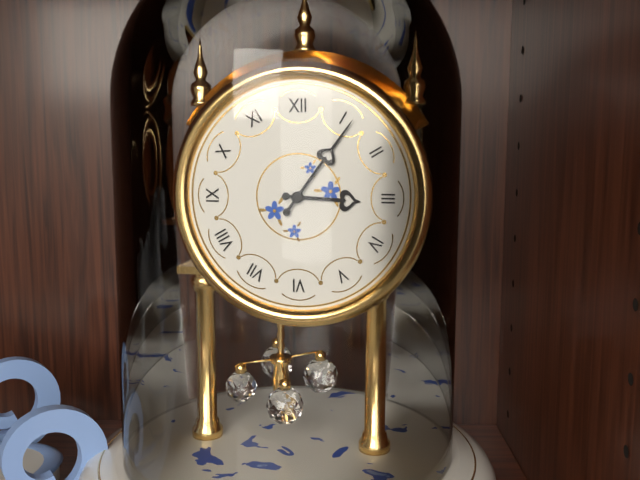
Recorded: 3h06
